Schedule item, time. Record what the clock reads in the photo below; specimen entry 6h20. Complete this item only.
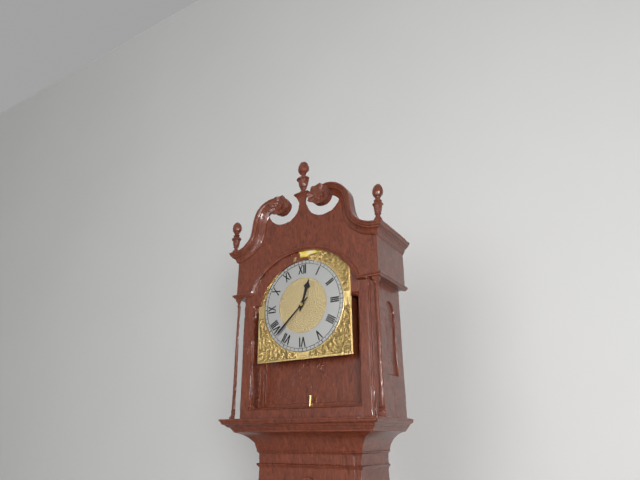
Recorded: 12h38
